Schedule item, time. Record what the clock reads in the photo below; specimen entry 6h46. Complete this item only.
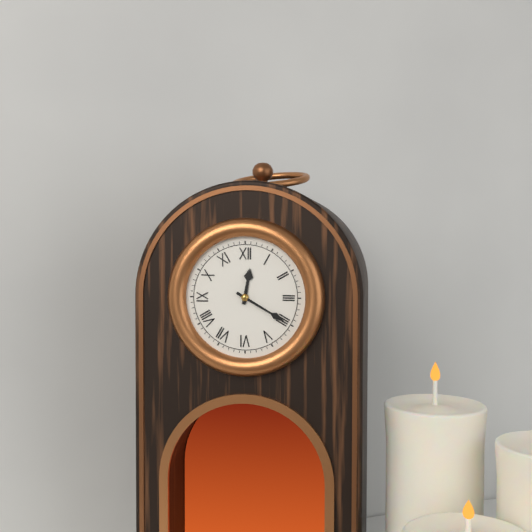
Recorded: 12h20
